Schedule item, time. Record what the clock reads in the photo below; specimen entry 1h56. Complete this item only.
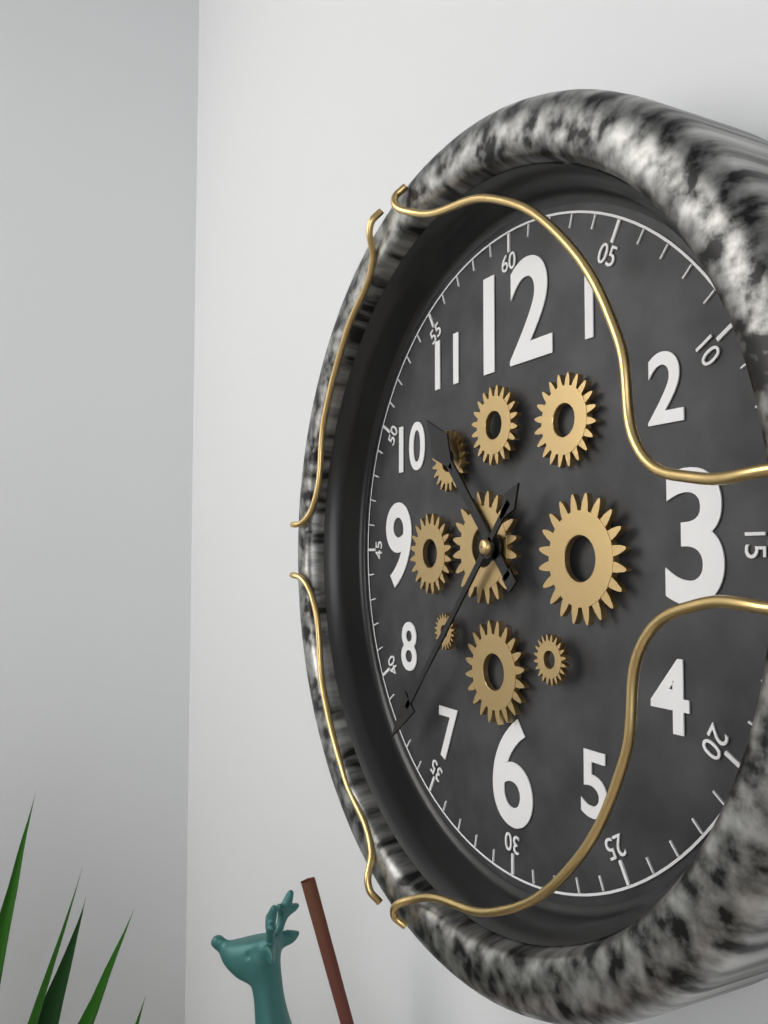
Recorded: 10h37
